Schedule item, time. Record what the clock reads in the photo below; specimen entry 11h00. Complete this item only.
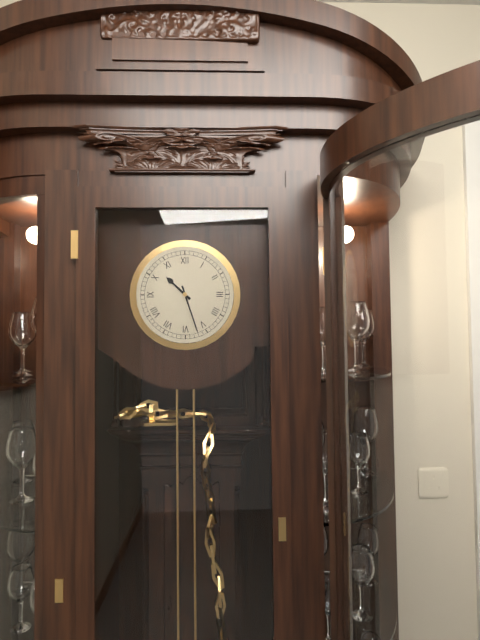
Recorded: 10h27
